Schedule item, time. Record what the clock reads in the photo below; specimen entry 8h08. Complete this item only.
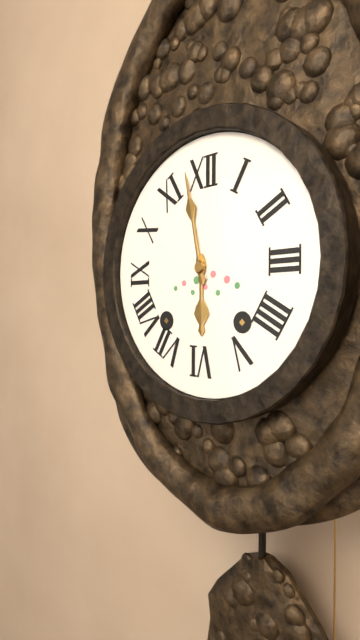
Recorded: 5h58
